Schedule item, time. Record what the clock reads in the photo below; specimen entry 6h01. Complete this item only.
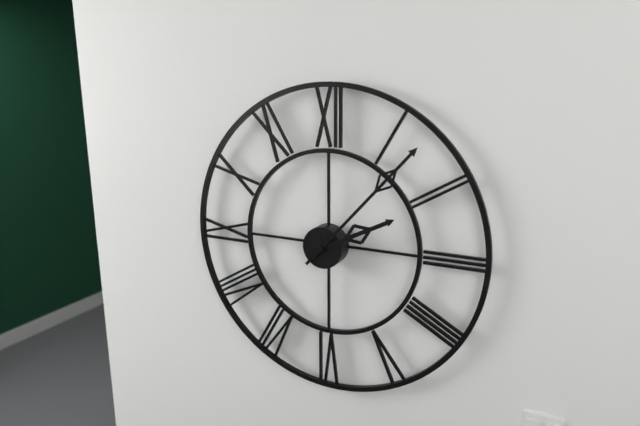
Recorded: 2h07
